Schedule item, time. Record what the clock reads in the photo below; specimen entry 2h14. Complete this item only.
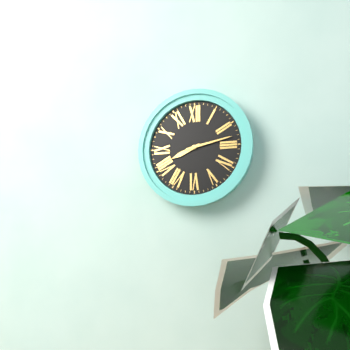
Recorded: 8h13
